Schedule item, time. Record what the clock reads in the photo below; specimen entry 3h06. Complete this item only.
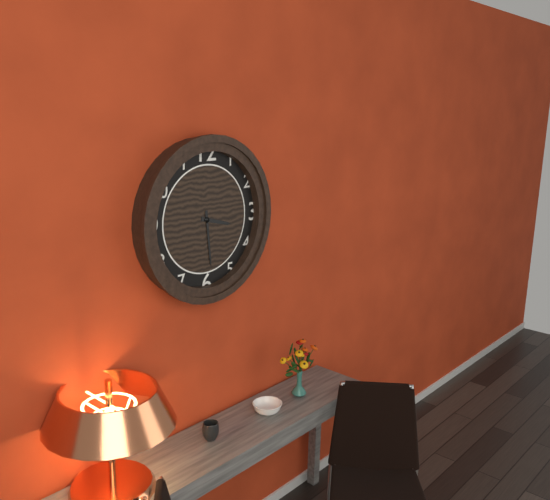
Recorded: 3h29
